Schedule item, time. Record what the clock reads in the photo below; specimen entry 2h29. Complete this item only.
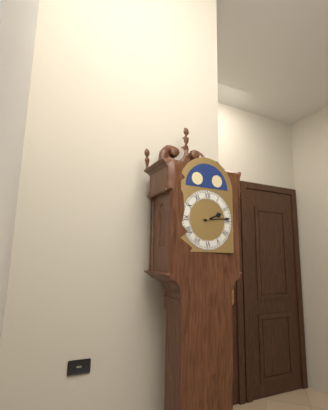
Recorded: 2h14
